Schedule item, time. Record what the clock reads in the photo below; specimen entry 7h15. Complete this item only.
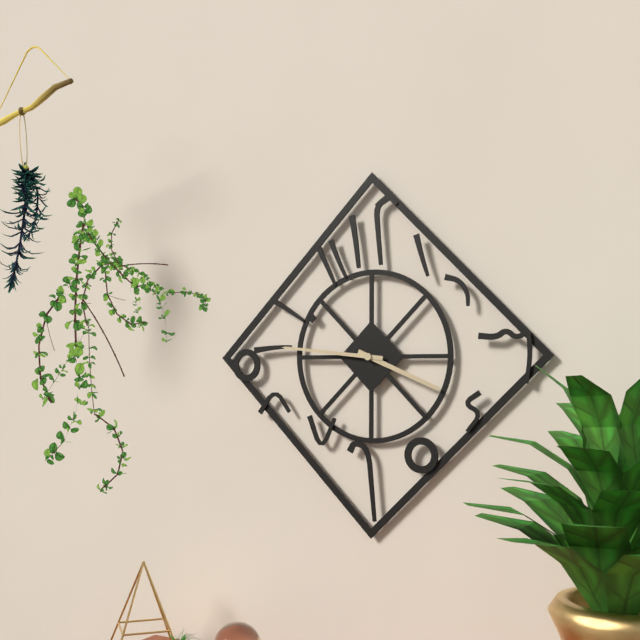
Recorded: 3h46
